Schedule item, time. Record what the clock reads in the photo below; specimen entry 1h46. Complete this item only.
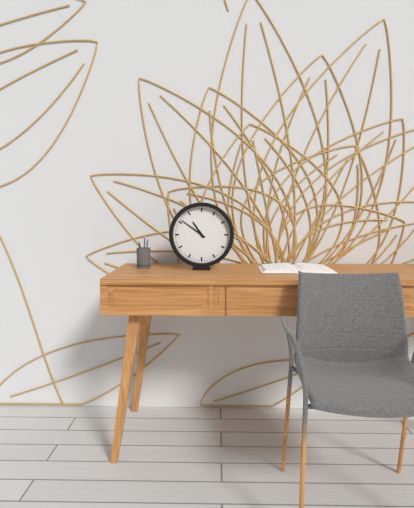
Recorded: 10h51
